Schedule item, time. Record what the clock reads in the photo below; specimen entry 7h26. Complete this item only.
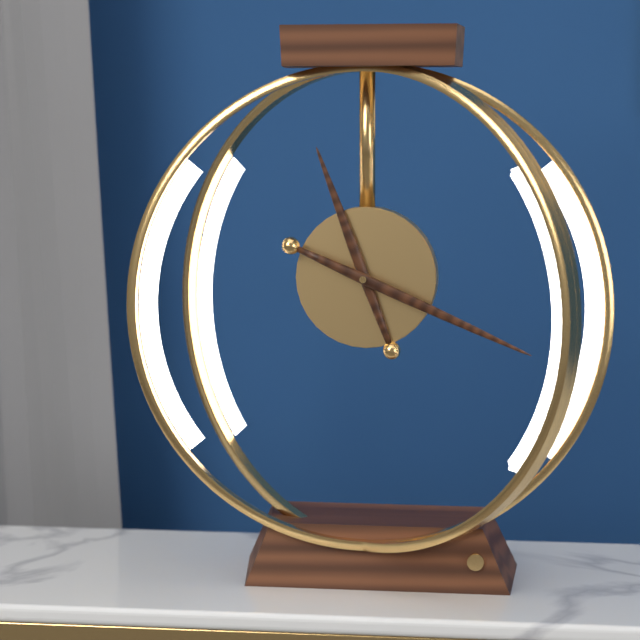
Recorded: 11h19
